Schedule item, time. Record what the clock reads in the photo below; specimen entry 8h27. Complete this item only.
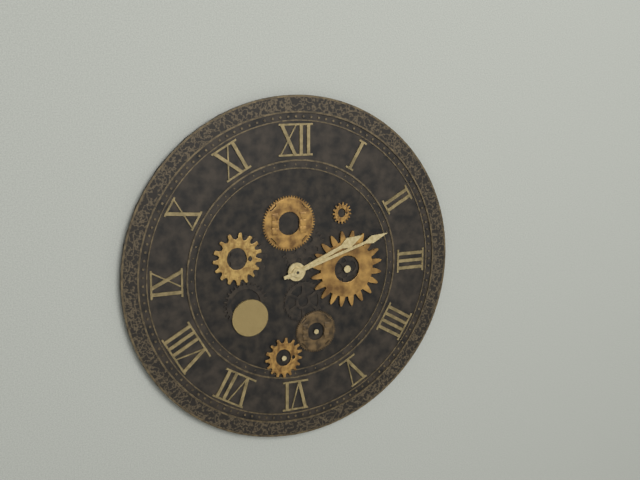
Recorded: 2h12
